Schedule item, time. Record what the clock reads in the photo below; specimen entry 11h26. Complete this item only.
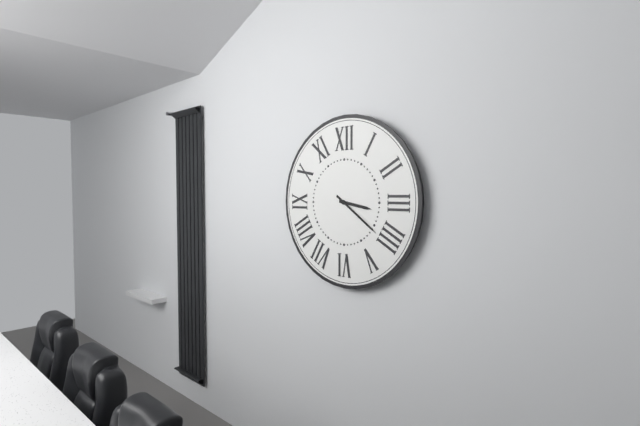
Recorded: 3h21
